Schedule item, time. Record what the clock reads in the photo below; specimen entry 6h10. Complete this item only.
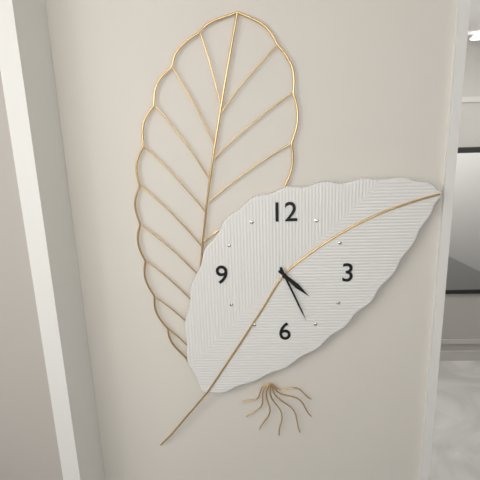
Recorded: 4h26
